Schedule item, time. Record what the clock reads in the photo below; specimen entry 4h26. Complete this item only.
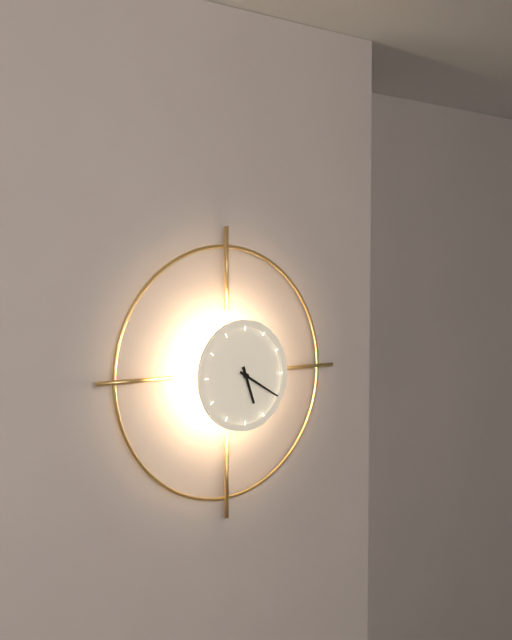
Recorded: 5h20
